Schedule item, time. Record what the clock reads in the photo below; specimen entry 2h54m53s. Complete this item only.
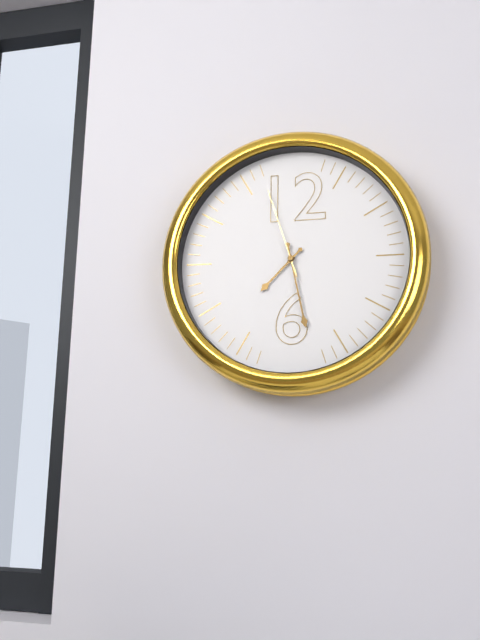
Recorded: 7h28m57s
